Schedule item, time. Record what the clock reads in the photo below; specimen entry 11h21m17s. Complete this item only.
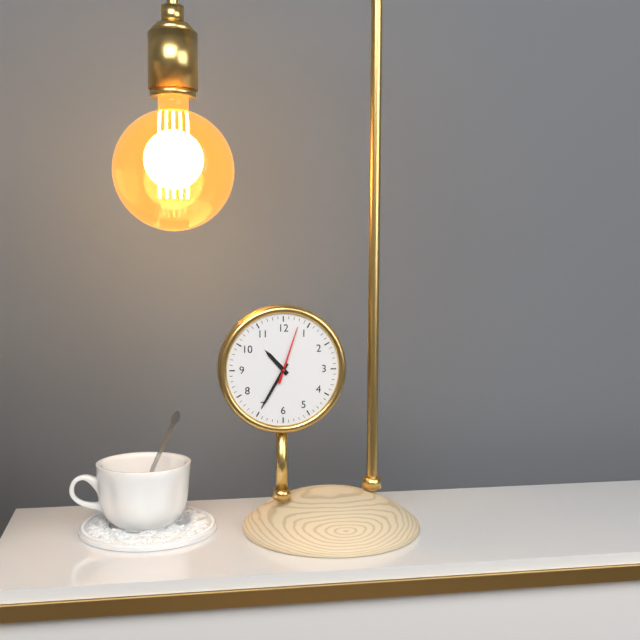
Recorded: 10h35m03s
